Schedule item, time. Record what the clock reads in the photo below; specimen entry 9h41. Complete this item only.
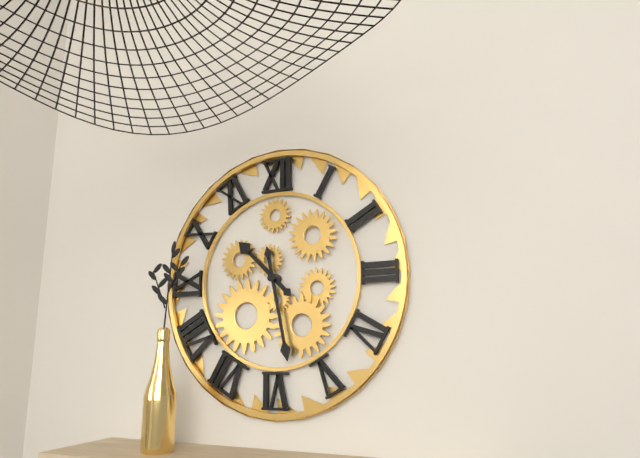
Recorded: 10h28
